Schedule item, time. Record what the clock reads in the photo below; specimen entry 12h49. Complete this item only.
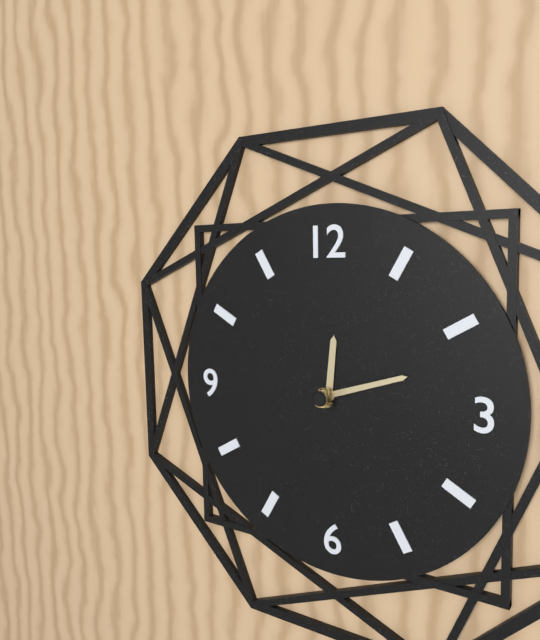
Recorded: 12h12
